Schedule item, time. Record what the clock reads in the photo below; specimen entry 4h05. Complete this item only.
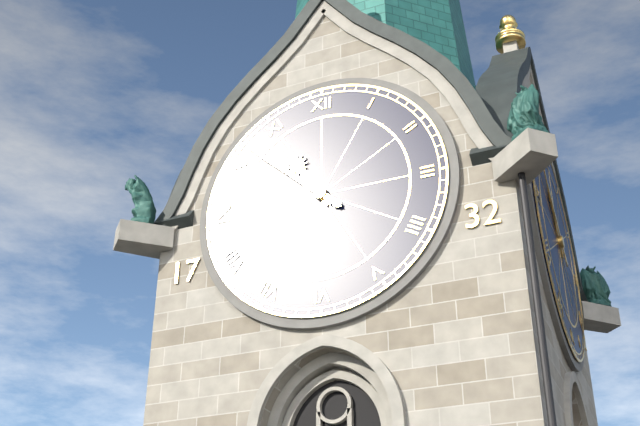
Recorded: 10h52
